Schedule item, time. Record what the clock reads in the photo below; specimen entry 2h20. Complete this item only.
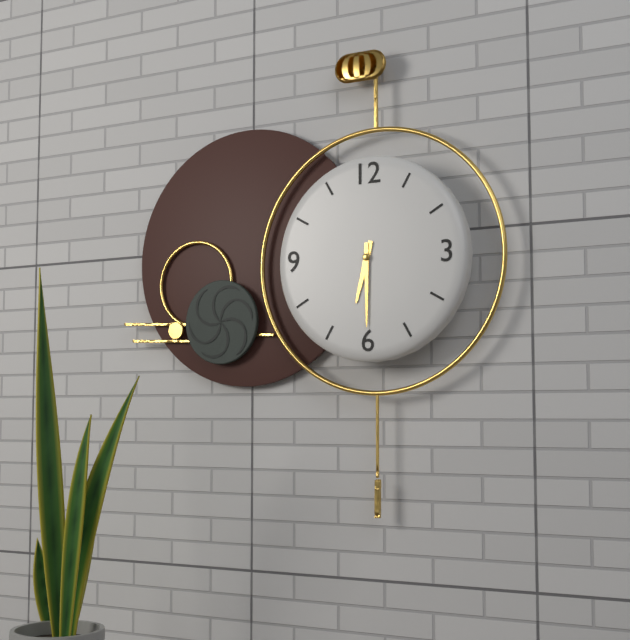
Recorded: 6h30
